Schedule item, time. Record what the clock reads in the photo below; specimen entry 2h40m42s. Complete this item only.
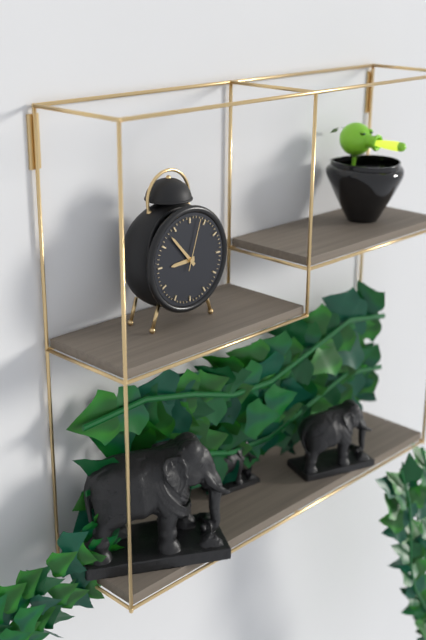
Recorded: 8h53m03s
